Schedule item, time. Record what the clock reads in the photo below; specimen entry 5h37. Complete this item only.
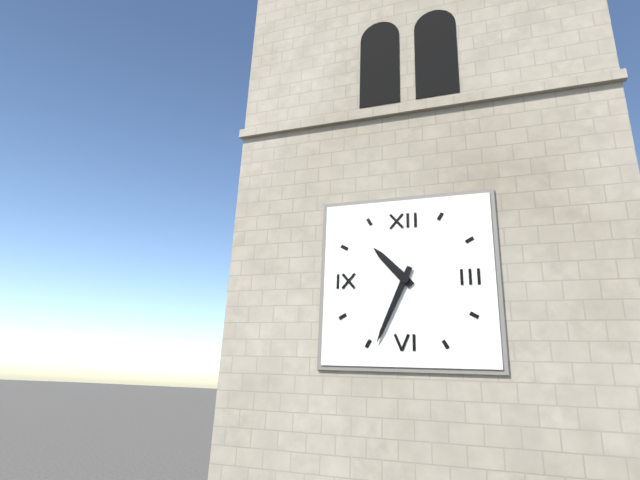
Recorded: 10h34
